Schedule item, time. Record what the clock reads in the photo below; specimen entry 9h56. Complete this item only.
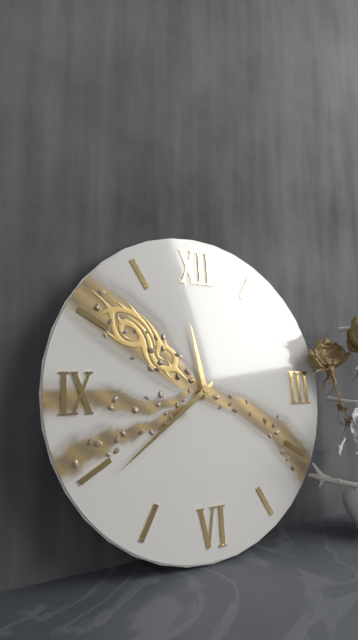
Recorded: 11h39
